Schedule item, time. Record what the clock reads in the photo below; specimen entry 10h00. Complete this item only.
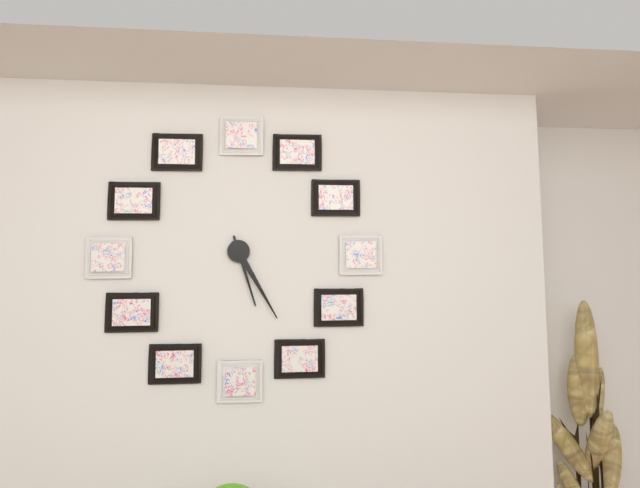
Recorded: 5h25
